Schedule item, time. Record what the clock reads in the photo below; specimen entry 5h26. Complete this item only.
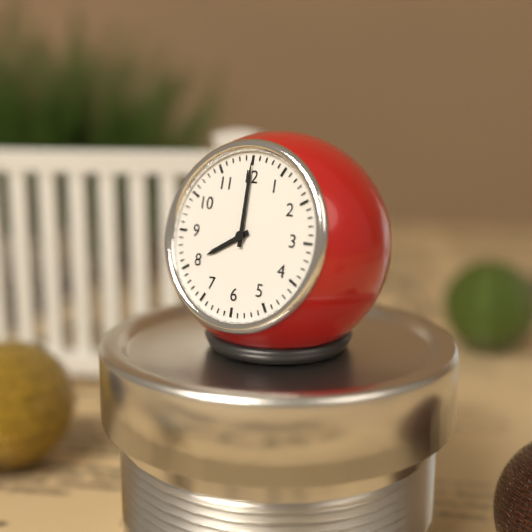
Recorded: 8h00
